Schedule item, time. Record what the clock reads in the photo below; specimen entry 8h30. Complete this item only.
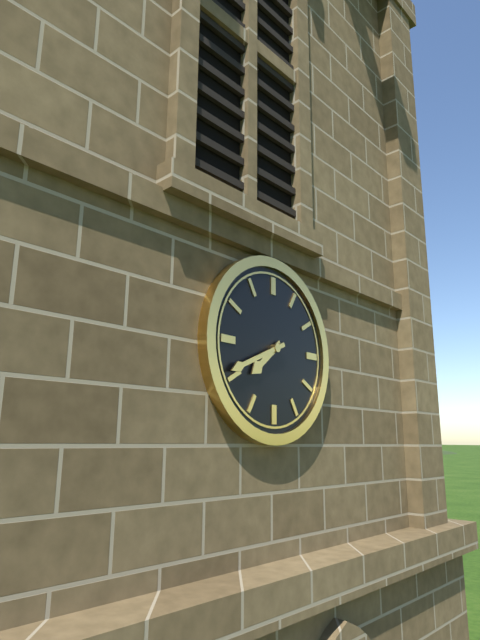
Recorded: 7h41
